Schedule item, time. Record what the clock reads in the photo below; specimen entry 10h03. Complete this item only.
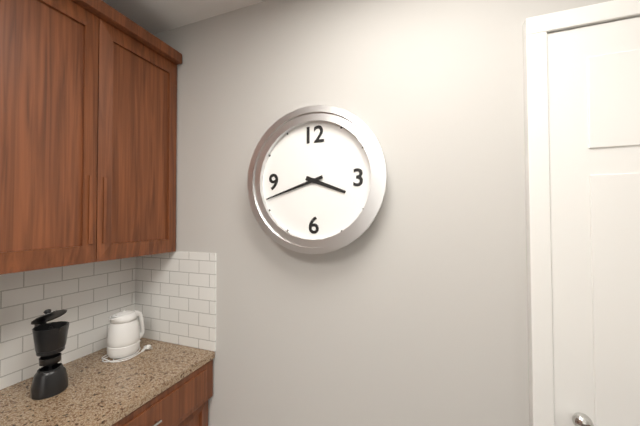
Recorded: 3h42
